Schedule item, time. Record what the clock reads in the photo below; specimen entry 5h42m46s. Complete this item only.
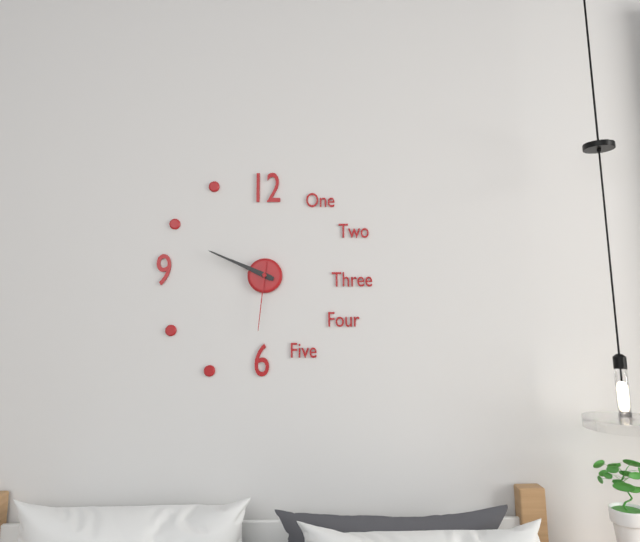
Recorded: 9h49m31s
